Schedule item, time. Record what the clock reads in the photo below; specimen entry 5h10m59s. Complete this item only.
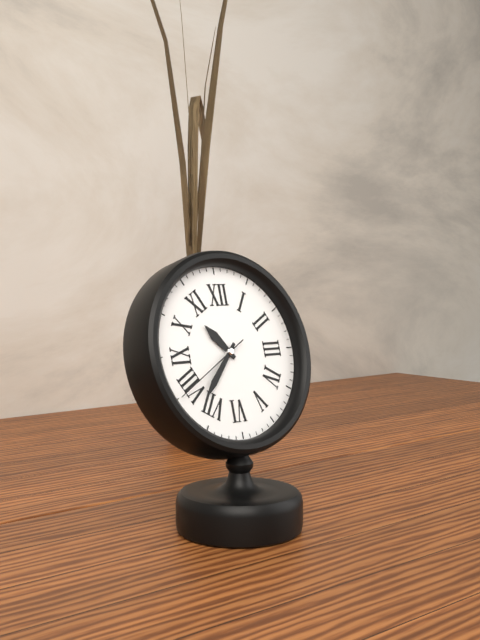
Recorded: 10h37m40s
